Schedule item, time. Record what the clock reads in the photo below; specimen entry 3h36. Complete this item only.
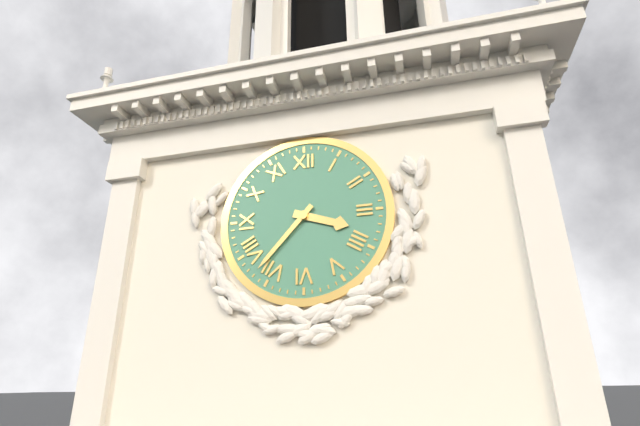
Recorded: 3h37
